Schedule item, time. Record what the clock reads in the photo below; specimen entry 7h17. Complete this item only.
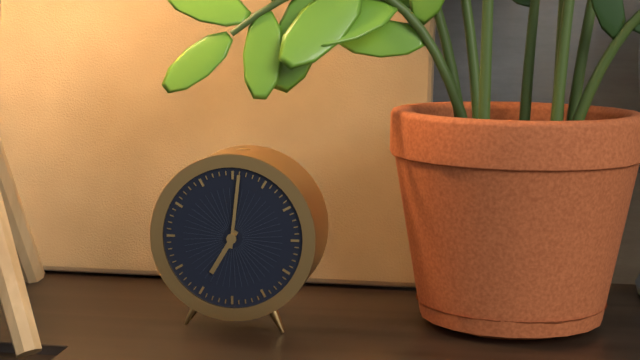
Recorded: 7h01
